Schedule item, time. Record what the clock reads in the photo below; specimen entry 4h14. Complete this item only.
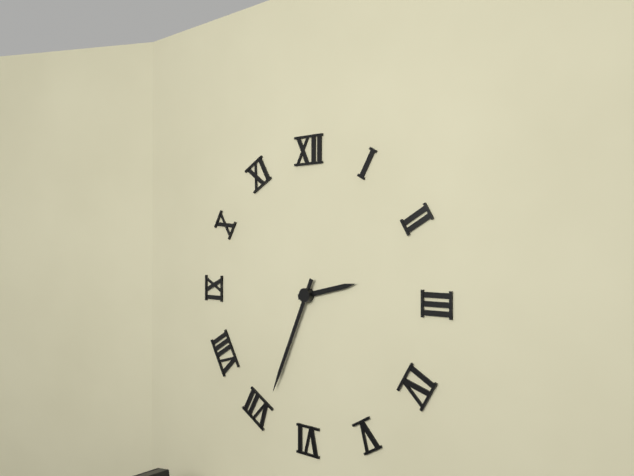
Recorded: 2h34
